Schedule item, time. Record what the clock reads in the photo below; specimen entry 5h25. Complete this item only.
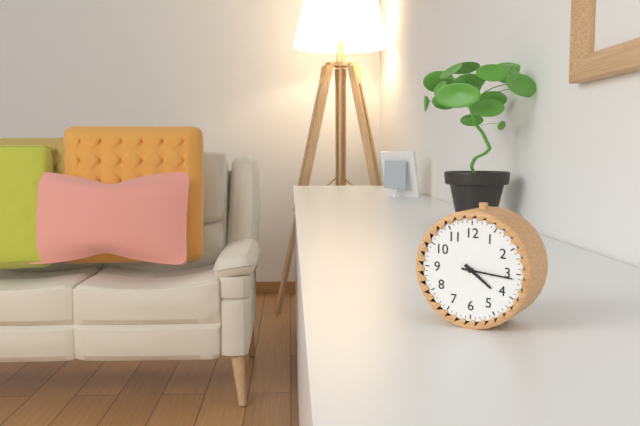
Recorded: 4h16
